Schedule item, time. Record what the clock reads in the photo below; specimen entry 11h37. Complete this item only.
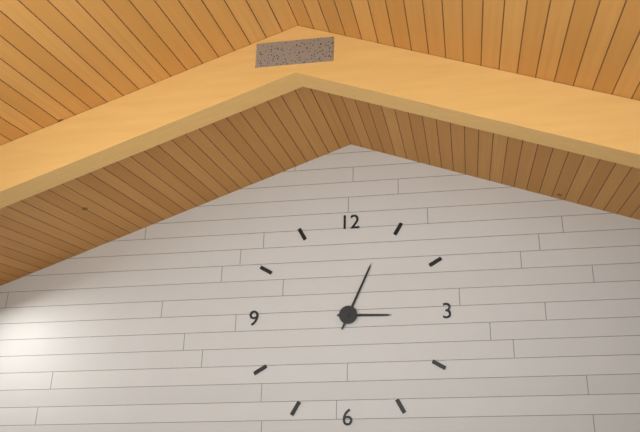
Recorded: 3h04
